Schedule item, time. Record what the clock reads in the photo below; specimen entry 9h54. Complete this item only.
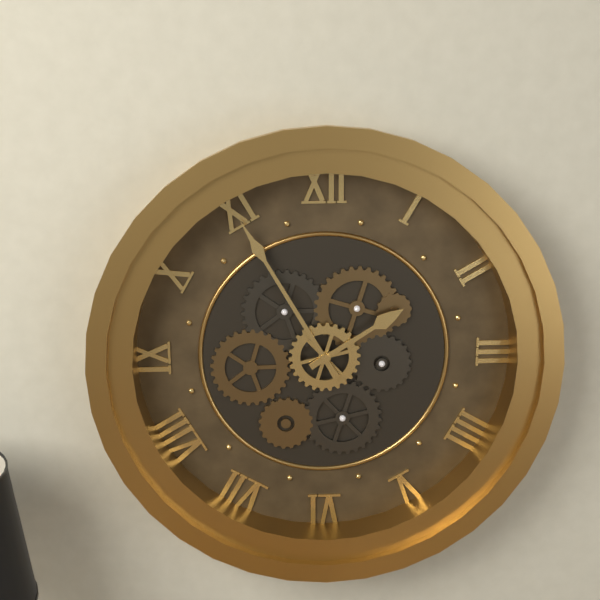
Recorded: 1h55
